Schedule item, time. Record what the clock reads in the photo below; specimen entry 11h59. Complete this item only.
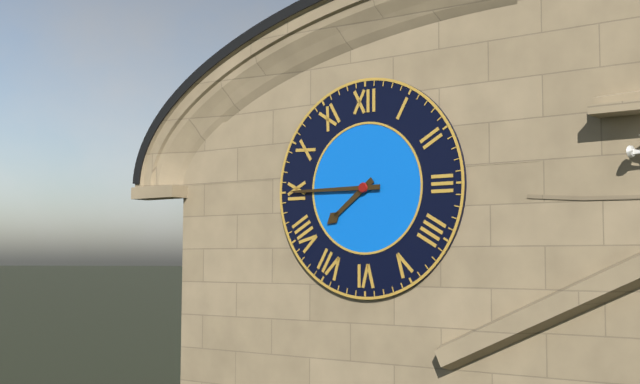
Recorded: 7h45
